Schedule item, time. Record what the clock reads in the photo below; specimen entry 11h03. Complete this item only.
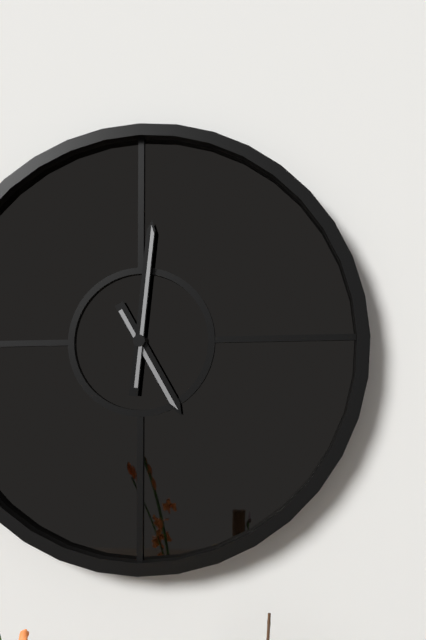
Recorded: 5h01
